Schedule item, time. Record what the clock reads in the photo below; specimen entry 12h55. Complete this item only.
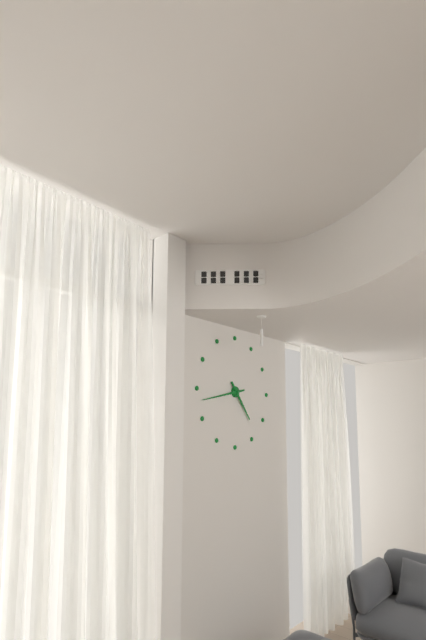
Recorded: 4h43
